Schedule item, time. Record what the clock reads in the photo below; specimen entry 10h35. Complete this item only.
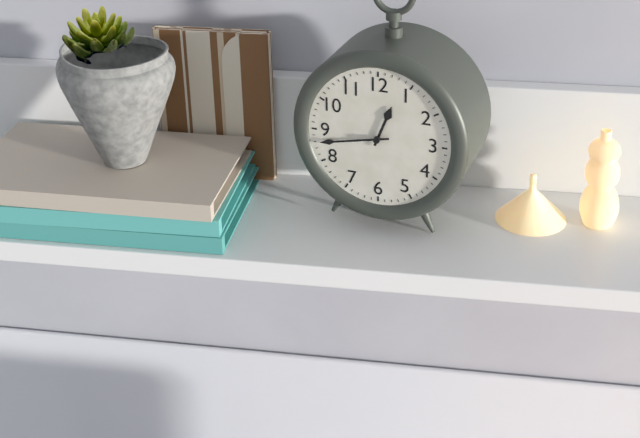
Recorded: 12h43
